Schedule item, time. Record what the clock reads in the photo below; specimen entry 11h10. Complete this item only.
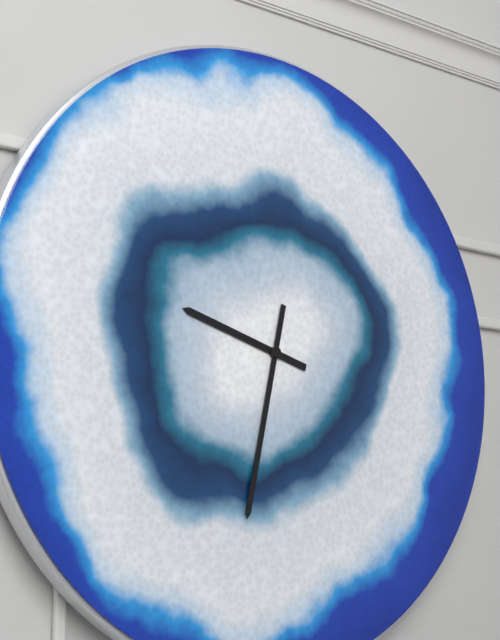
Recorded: 9h32
